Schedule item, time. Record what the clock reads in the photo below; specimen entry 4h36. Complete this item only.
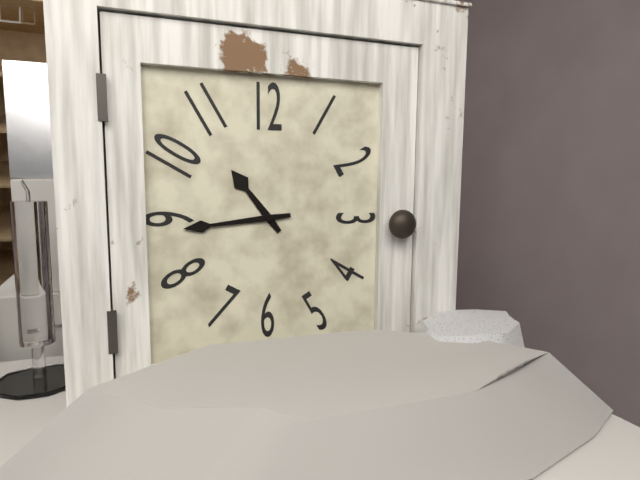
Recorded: 10h44
